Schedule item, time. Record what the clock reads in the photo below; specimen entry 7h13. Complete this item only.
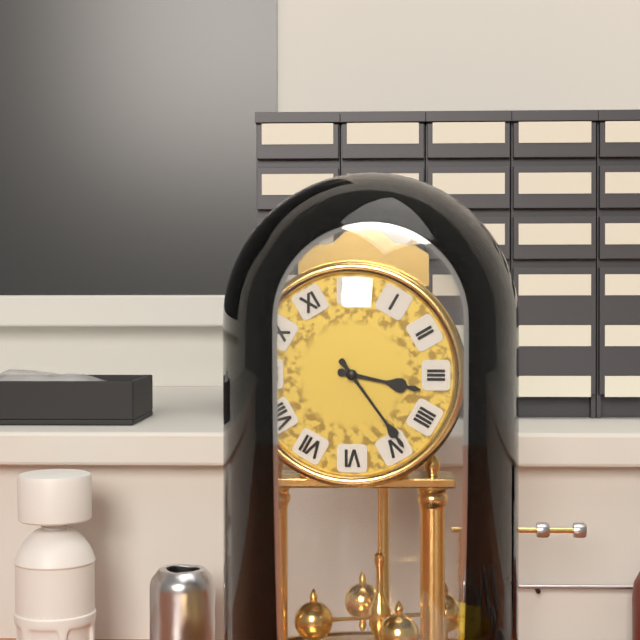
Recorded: 3h24
